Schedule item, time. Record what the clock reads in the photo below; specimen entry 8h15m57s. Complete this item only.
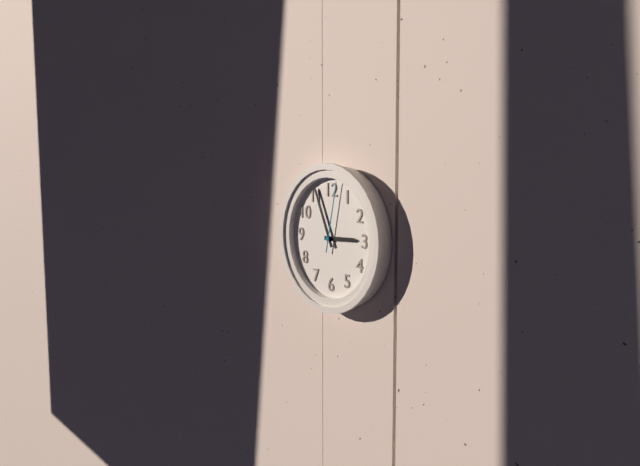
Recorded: 2h56m02s
